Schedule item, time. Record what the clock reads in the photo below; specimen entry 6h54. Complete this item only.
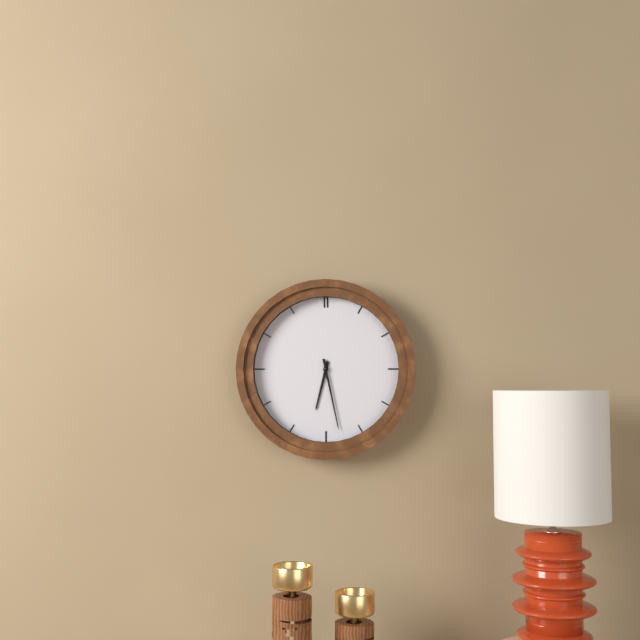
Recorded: 6h28
